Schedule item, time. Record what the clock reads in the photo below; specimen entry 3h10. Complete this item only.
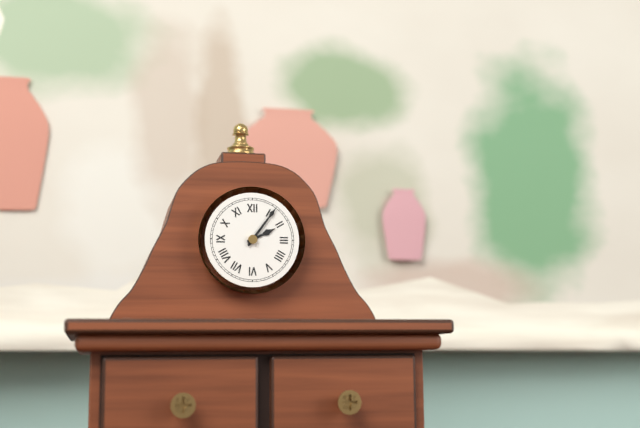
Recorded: 2h06
